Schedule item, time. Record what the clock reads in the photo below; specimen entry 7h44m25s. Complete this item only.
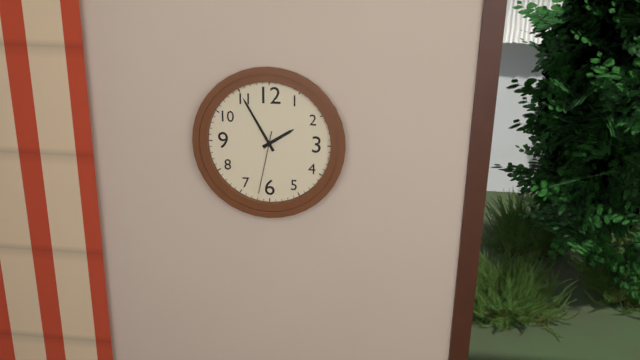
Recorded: 1h55m32s
